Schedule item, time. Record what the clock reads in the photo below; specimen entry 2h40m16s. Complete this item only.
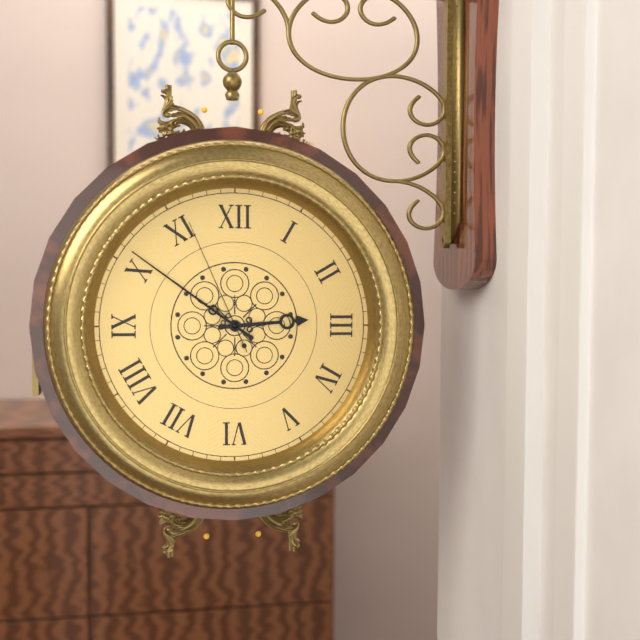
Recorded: 2h51m56s
